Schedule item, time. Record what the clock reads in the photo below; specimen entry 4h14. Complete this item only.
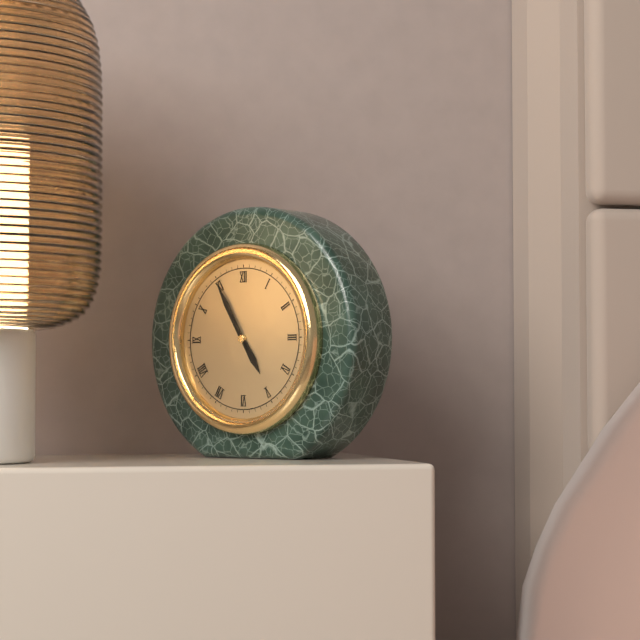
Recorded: 4h55
